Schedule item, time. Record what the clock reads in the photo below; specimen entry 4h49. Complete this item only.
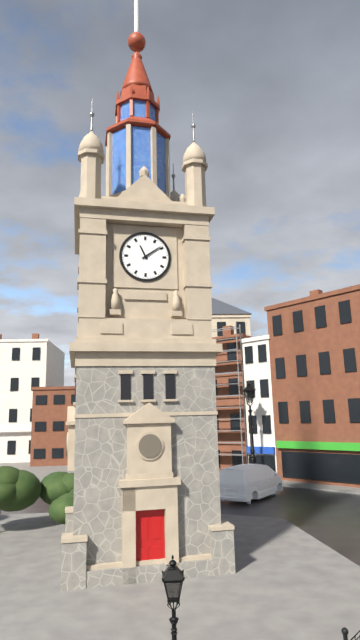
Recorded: 11h09
